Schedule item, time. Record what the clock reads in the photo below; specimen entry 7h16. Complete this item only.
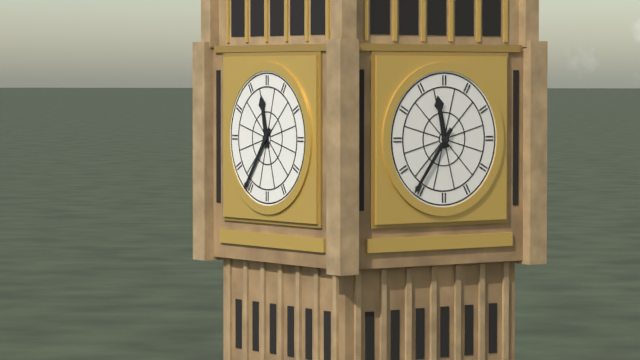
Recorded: 11h36
